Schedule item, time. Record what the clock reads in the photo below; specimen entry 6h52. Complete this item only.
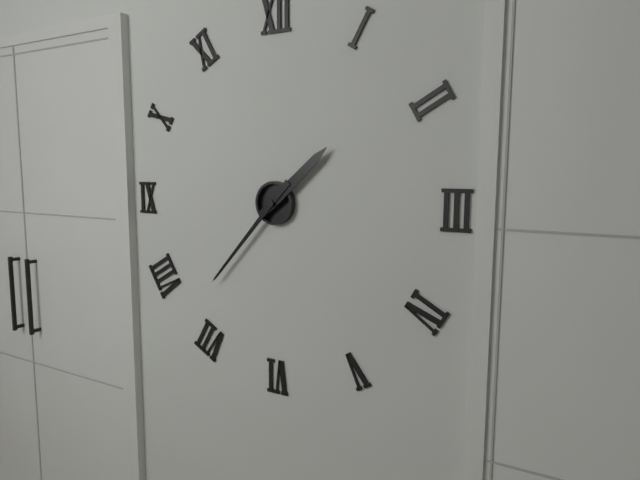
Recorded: 1h37
